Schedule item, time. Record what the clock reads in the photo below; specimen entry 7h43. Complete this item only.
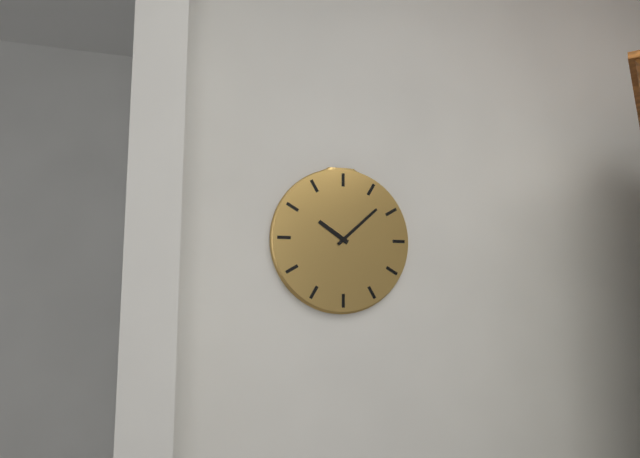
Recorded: 10h08
